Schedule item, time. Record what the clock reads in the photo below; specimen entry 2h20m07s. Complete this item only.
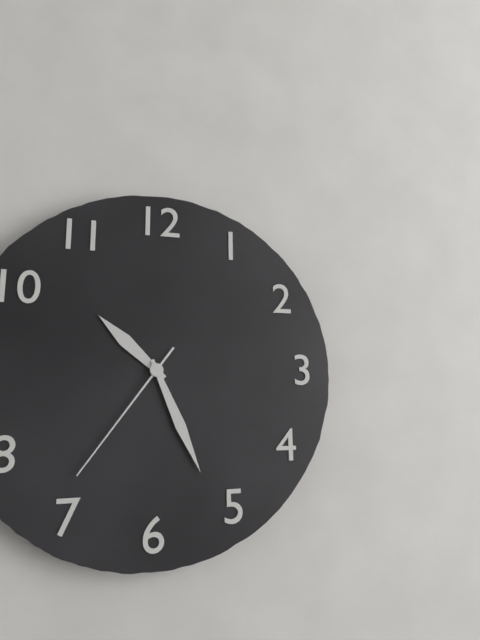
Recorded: 10h26m36s
